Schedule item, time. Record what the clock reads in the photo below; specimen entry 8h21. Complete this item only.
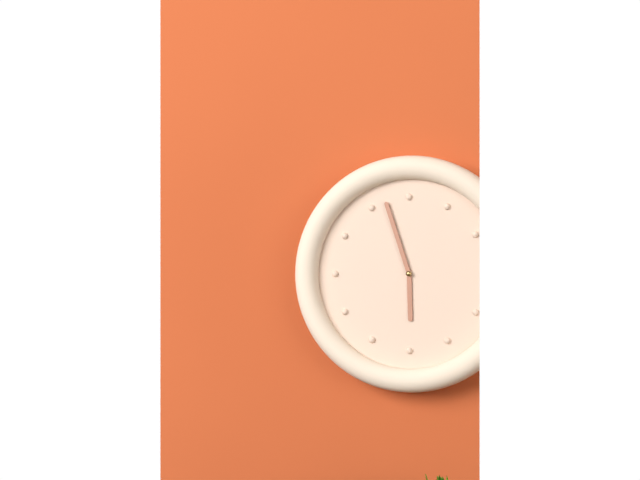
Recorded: 5h57
